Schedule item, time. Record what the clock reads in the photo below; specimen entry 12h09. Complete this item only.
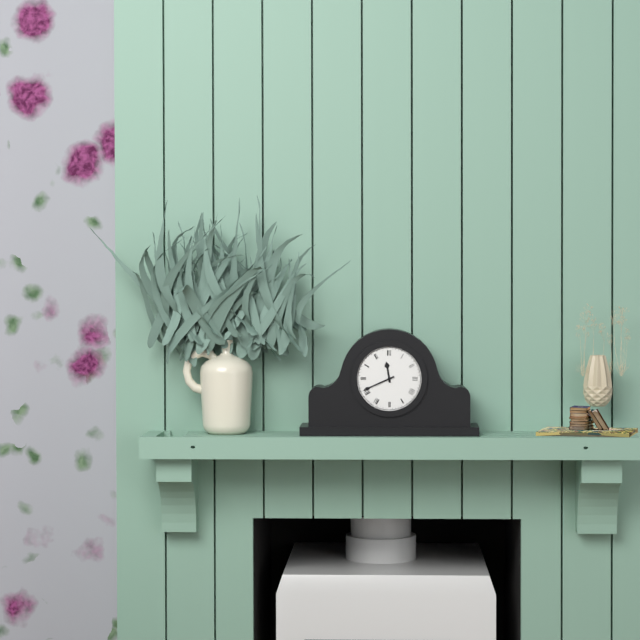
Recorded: 11h41
